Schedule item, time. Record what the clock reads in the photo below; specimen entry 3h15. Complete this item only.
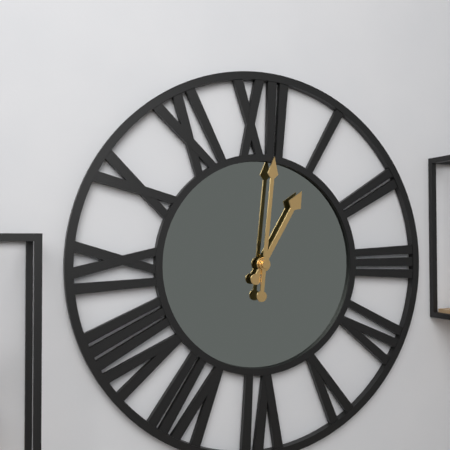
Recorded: 1h01
